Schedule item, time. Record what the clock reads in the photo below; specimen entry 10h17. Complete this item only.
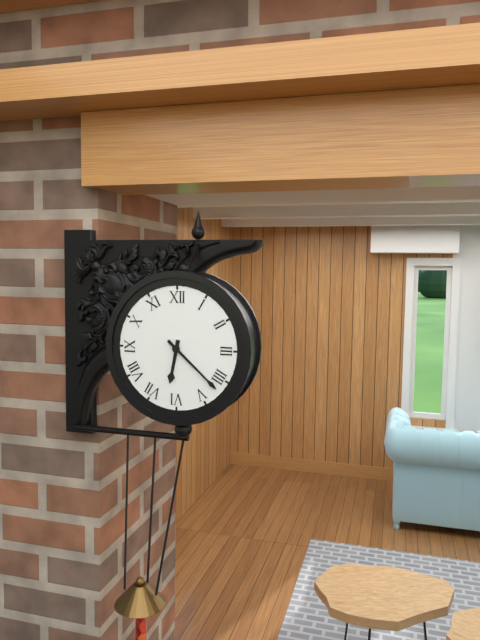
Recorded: 6h22
